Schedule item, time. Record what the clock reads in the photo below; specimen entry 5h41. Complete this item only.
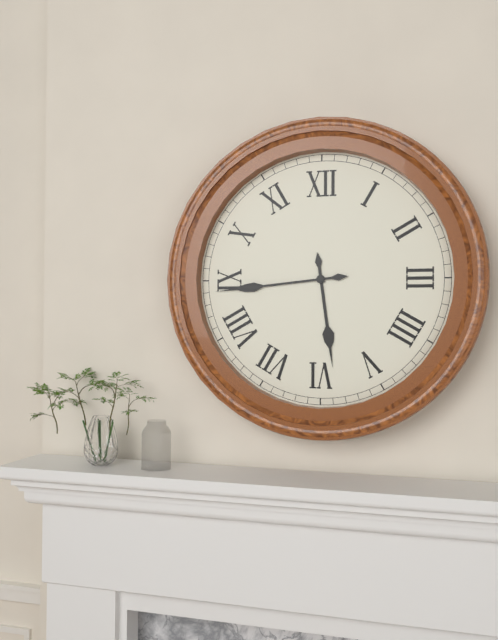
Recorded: 5h44
